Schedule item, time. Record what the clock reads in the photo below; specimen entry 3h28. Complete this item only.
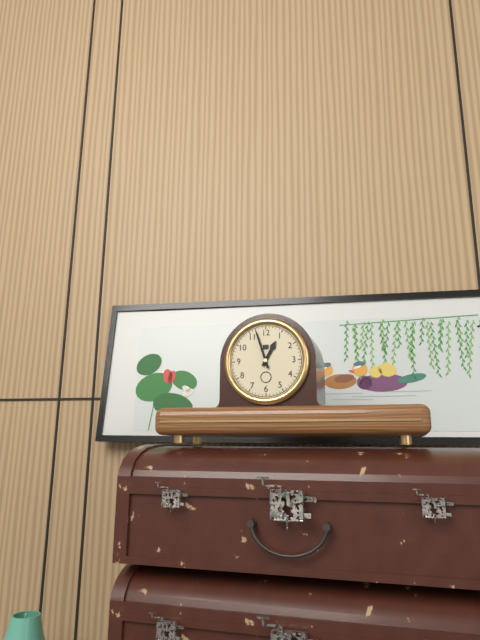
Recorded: 12h57
